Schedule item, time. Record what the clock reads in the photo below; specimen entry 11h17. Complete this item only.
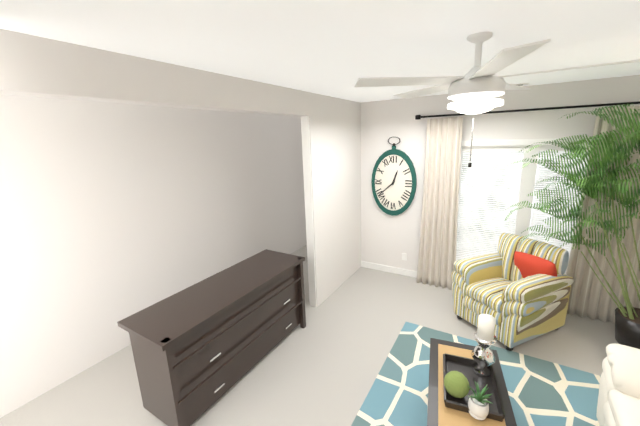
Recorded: 12h38
